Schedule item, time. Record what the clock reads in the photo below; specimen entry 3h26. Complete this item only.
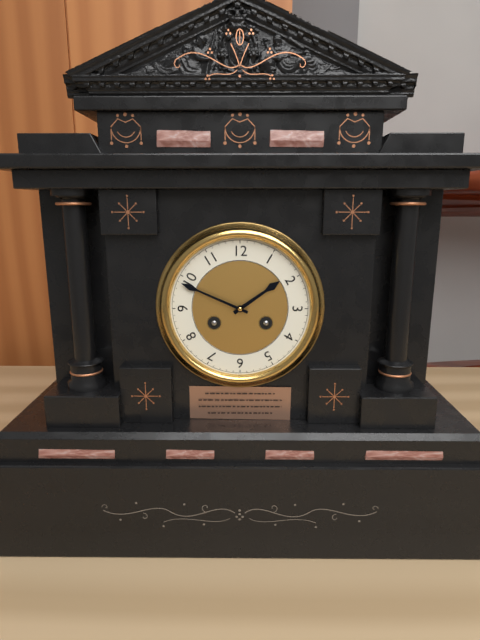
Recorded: 1h49
